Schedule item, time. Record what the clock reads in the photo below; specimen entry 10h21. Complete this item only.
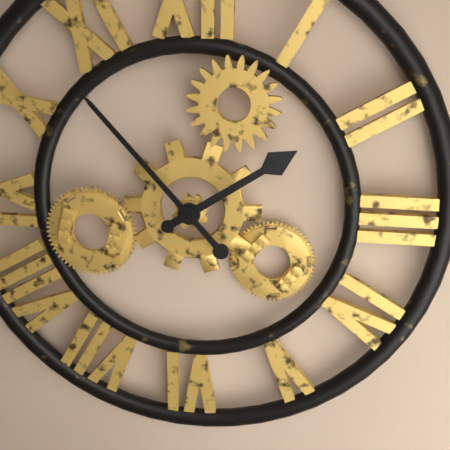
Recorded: 1h53
